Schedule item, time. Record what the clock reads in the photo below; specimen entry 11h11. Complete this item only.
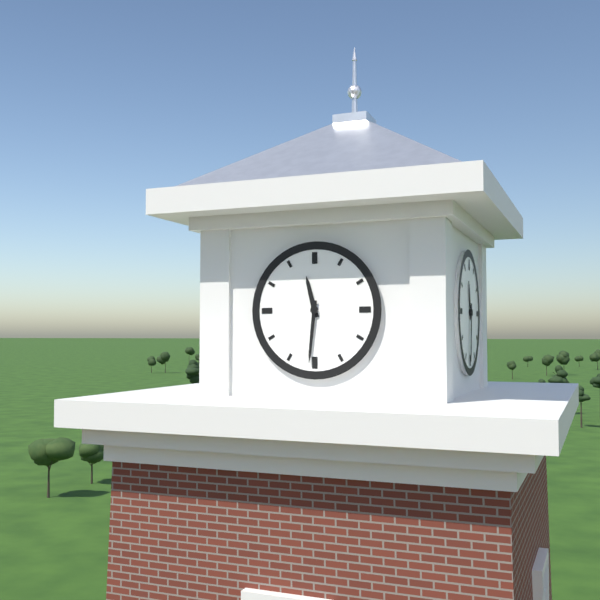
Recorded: 11h31
